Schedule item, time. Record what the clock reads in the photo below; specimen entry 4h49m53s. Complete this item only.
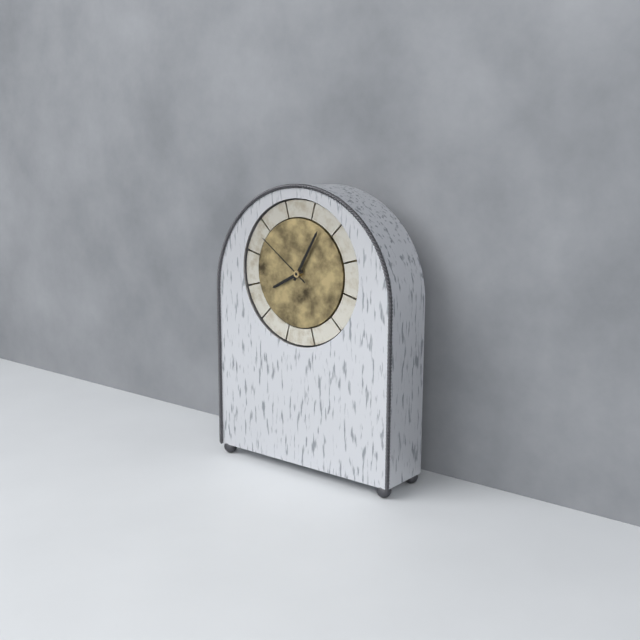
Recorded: 8h05m51s
